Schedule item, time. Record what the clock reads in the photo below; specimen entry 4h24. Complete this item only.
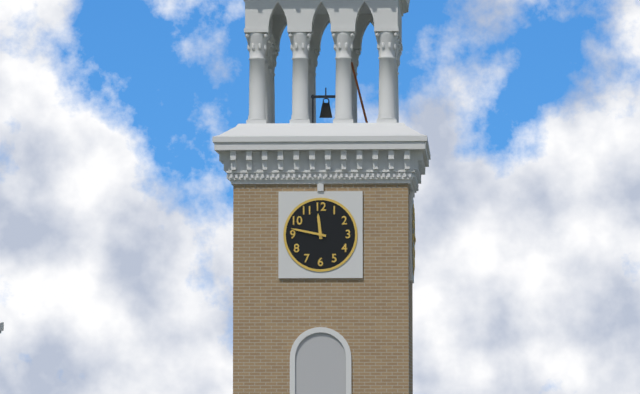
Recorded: 11h47
